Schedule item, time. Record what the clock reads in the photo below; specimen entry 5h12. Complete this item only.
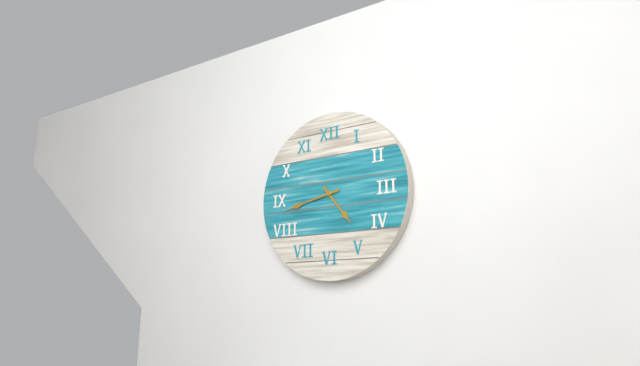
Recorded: 4h43
